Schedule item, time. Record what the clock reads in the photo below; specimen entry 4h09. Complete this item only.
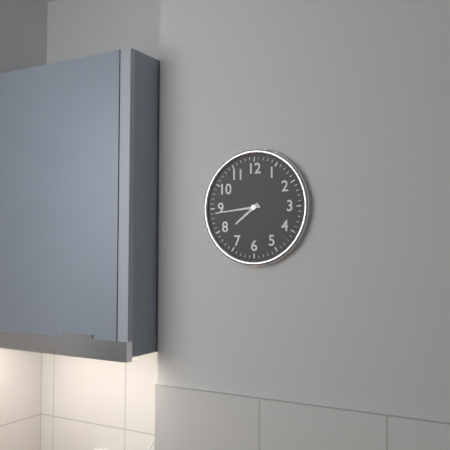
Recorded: 7h44
